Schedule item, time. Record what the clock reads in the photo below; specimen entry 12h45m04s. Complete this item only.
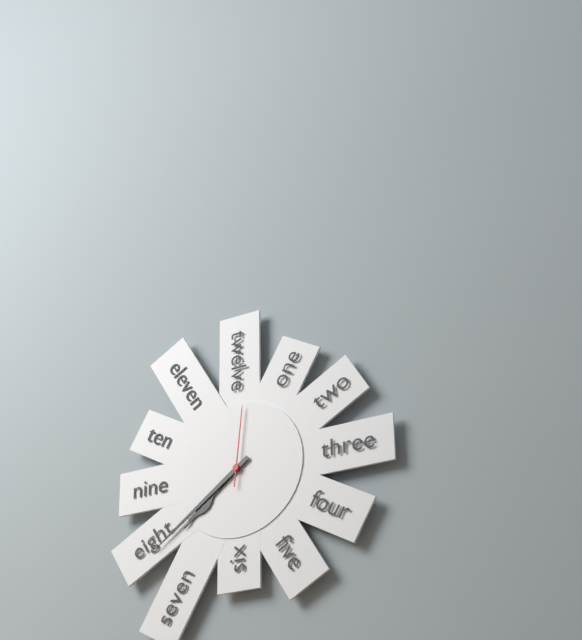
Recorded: 7h39m01s
